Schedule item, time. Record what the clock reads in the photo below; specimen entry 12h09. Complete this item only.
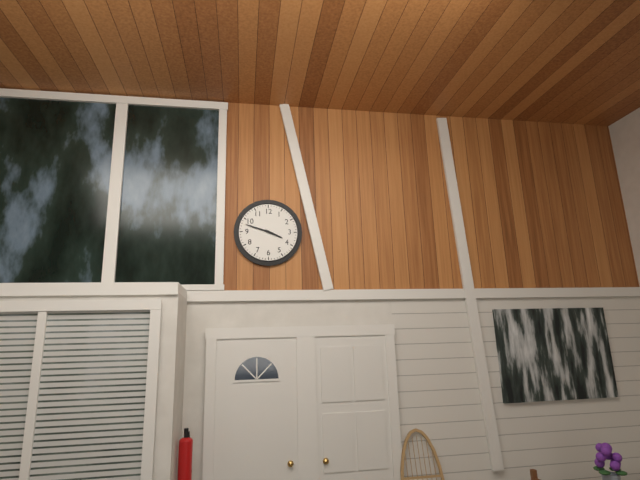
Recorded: 3h48
